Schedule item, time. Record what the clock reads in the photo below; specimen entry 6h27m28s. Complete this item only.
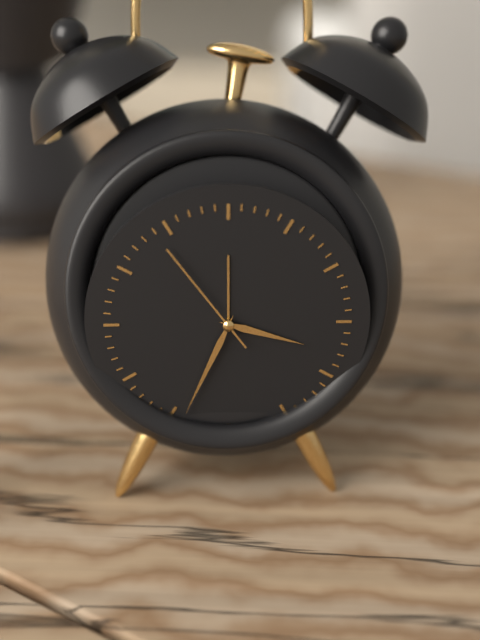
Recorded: 3h34m54s
